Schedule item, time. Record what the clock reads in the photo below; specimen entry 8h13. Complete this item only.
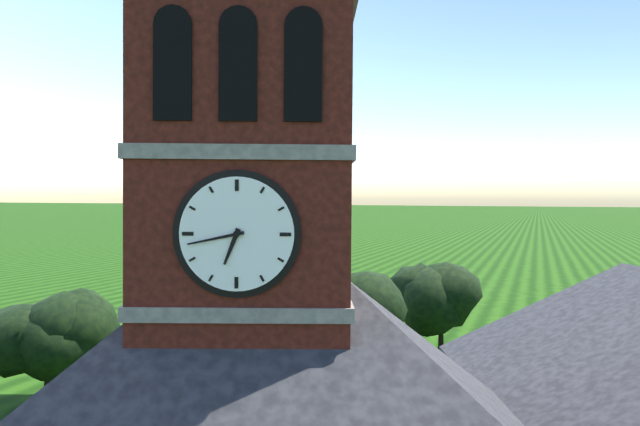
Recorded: 6h43
